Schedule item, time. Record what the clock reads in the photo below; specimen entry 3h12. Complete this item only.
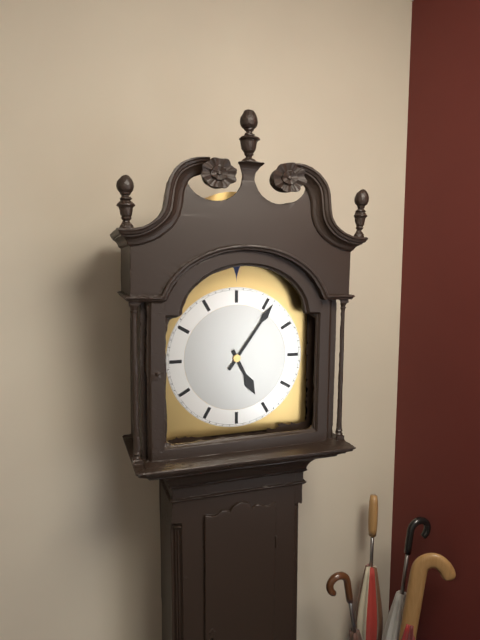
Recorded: 5h06
